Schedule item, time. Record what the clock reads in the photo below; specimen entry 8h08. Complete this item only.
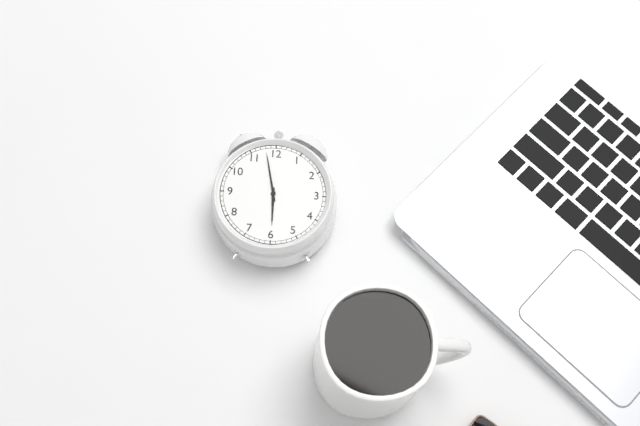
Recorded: 5h58
